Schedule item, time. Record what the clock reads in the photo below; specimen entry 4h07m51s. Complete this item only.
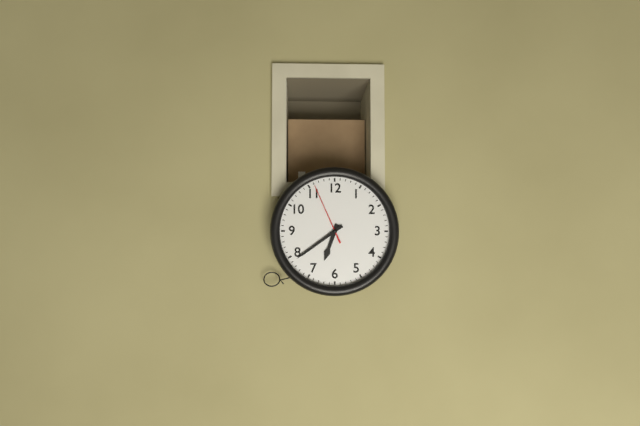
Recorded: 6h39m56s
